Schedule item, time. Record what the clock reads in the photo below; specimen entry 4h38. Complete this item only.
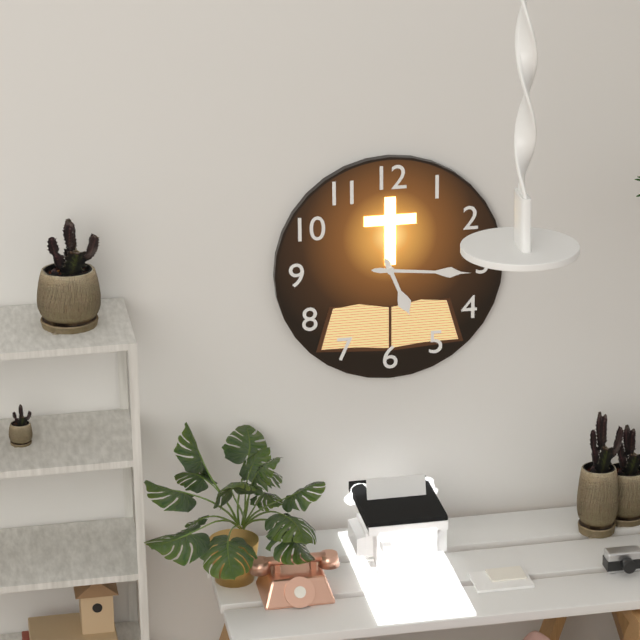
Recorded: 5h16
